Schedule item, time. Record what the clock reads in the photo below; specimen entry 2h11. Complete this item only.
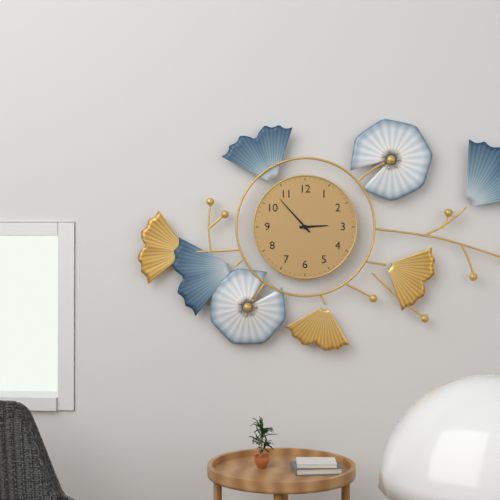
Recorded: 2h53
